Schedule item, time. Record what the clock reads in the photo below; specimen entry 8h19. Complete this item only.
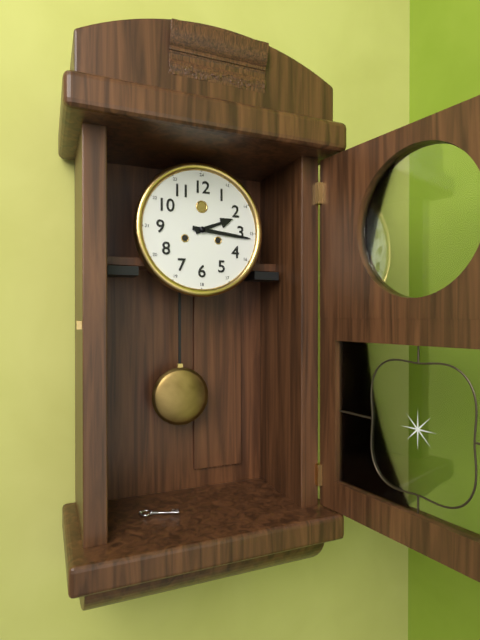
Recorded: 2h16
